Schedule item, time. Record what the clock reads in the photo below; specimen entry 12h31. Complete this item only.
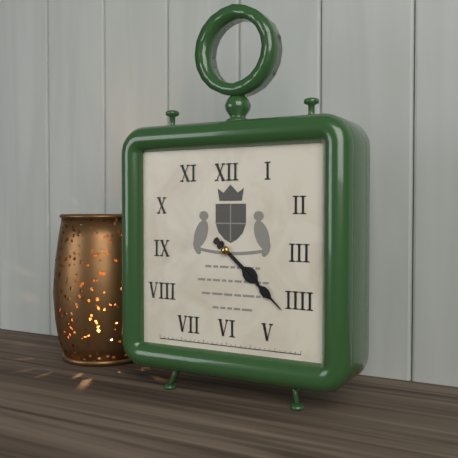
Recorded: 4h22
